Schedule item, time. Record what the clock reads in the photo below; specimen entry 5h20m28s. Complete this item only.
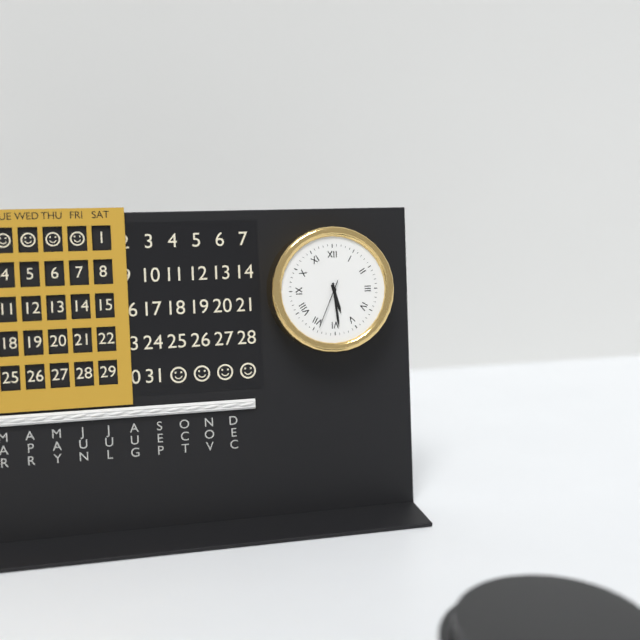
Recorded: 5h29m34s
